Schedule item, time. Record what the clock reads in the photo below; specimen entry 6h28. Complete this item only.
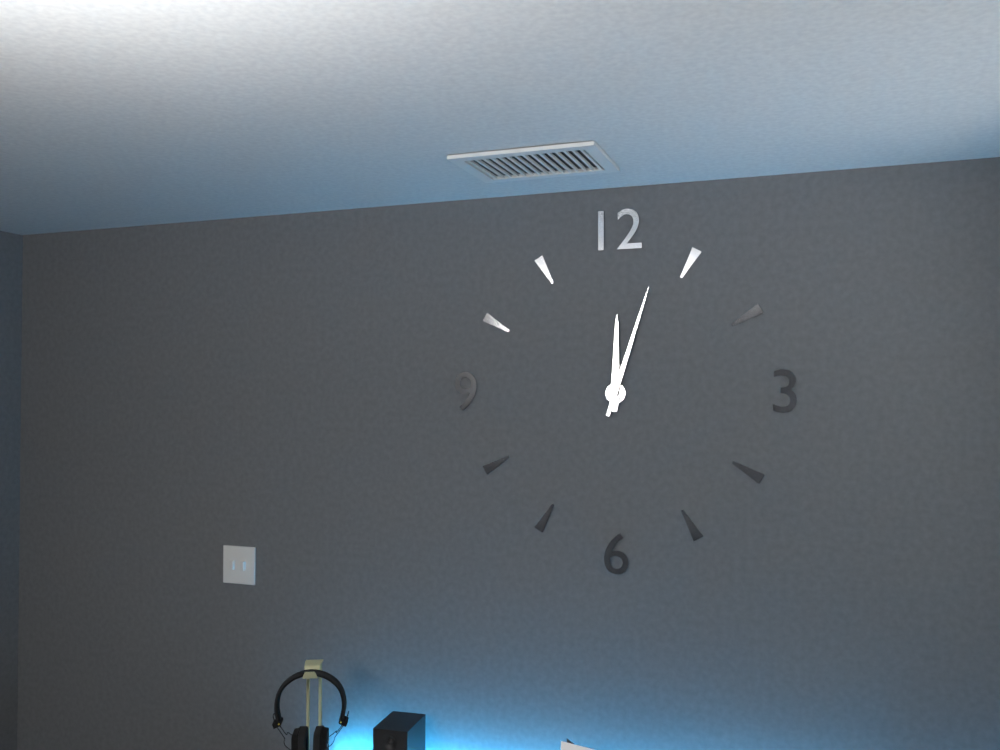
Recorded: 12h03
